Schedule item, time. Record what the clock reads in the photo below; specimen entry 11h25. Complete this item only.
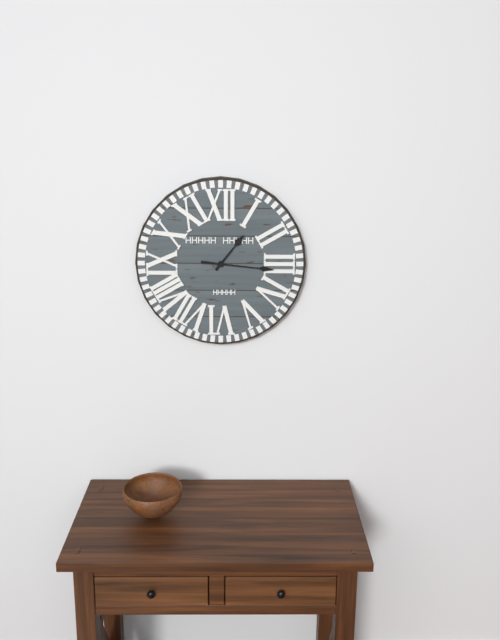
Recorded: 1h16
